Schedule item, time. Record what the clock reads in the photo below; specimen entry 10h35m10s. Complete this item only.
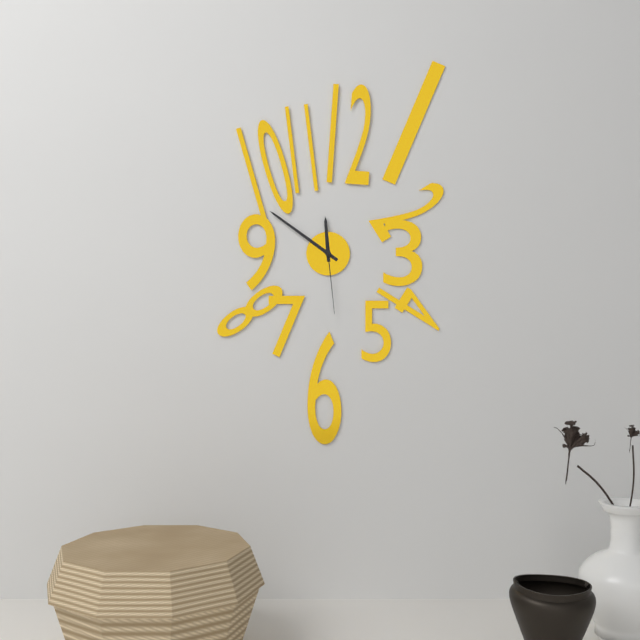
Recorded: 11h51m29s
